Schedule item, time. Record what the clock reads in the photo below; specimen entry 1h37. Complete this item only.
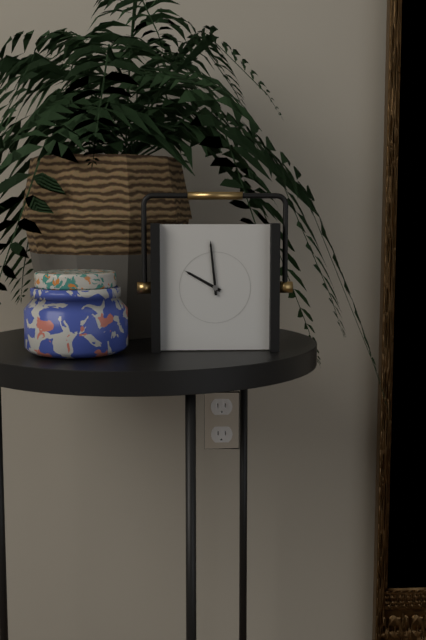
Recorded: 9h59
